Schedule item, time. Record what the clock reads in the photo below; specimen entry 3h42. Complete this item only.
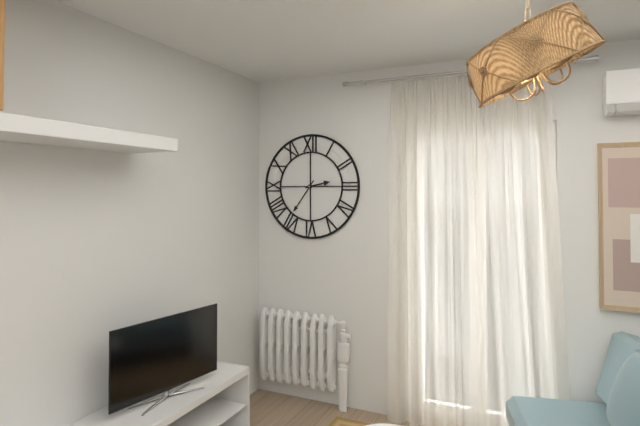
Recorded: 2h36
